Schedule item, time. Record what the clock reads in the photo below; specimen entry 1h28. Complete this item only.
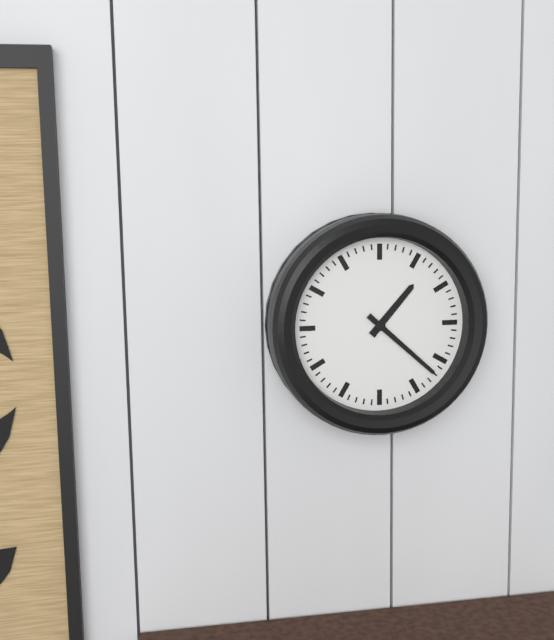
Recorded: 1h22
